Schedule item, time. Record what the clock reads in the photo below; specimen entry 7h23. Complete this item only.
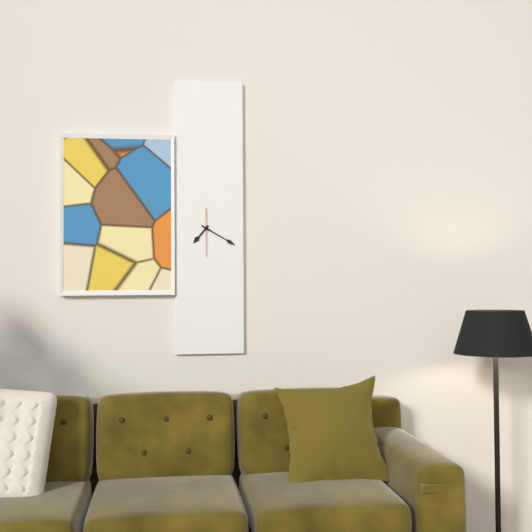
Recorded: 7h20
